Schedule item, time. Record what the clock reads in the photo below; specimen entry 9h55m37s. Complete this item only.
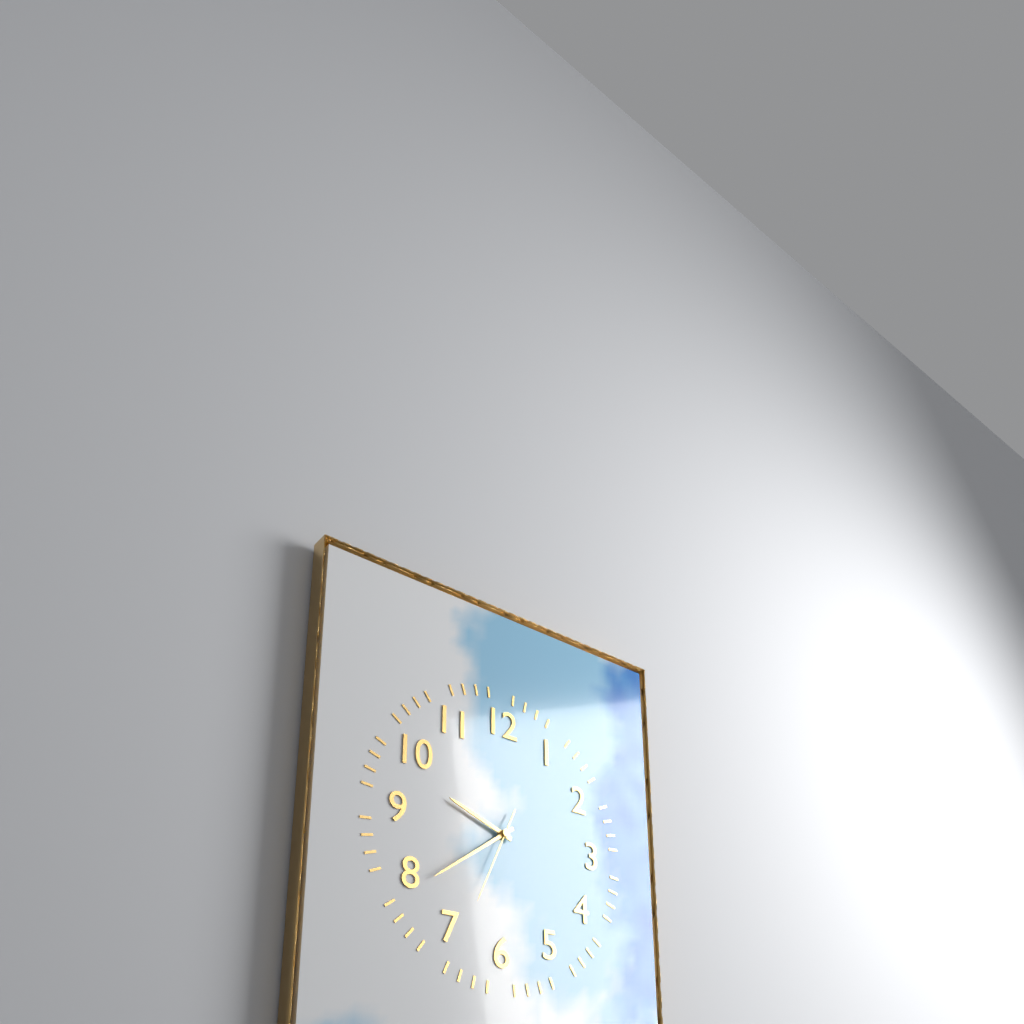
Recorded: 9h39m34s
